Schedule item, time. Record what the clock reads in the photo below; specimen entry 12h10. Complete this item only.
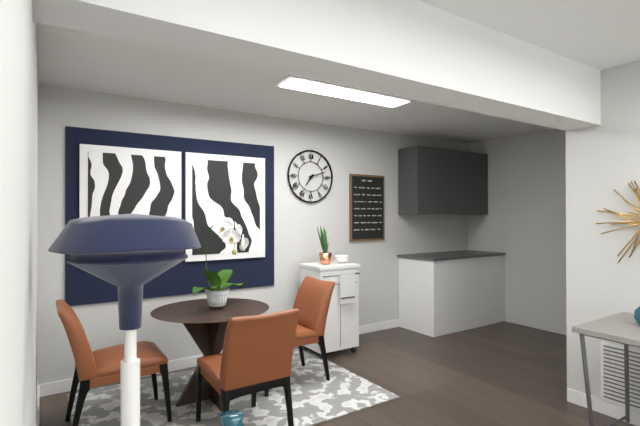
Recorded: 7h12
